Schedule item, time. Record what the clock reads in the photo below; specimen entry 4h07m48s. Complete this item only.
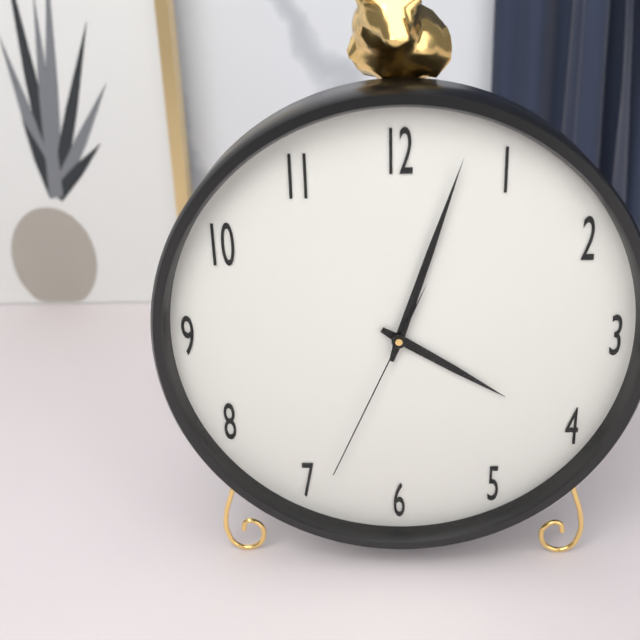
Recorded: 4h03m34s
